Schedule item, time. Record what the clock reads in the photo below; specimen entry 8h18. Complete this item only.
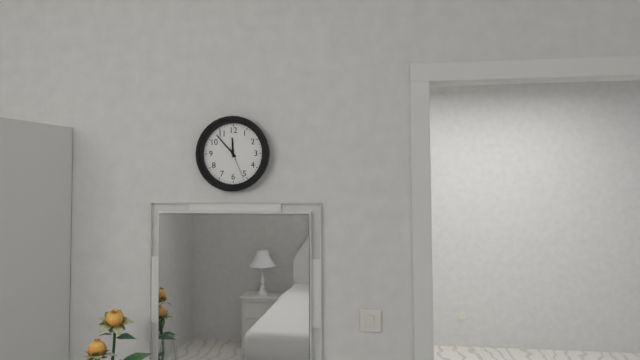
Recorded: 11h53
